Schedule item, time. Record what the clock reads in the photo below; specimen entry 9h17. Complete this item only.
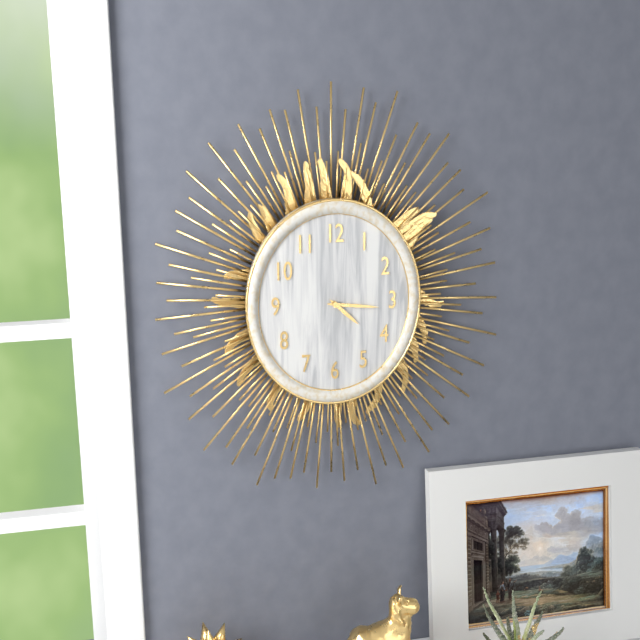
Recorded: 4h16
